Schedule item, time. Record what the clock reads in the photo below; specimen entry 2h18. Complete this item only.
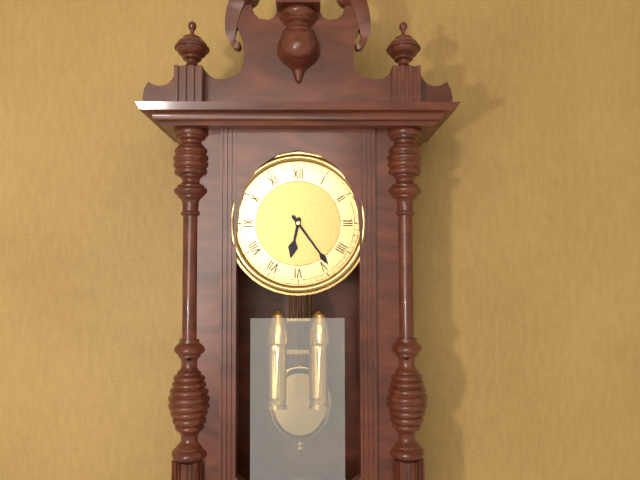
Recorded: 6h24
